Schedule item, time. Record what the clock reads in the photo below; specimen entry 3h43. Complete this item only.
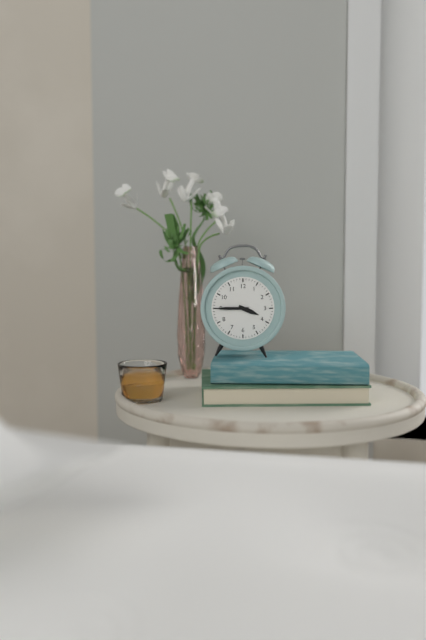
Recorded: 3h45
